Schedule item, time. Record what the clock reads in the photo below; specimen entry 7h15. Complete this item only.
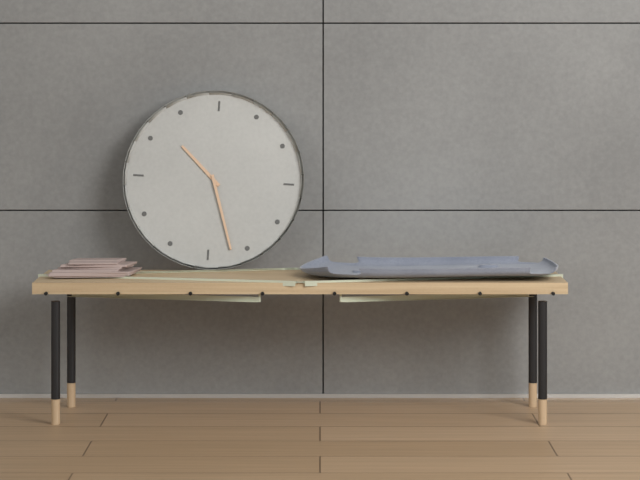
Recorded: 10h27
